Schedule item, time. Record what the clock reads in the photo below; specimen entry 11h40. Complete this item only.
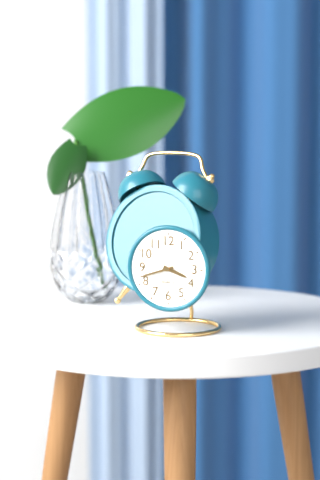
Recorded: 3h42
